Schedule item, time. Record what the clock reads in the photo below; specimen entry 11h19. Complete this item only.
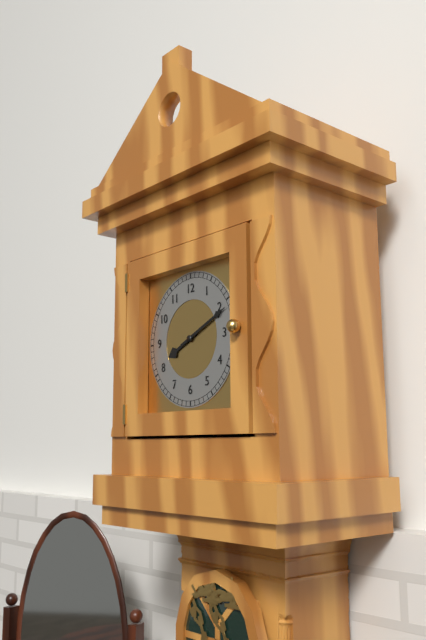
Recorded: 8h11
